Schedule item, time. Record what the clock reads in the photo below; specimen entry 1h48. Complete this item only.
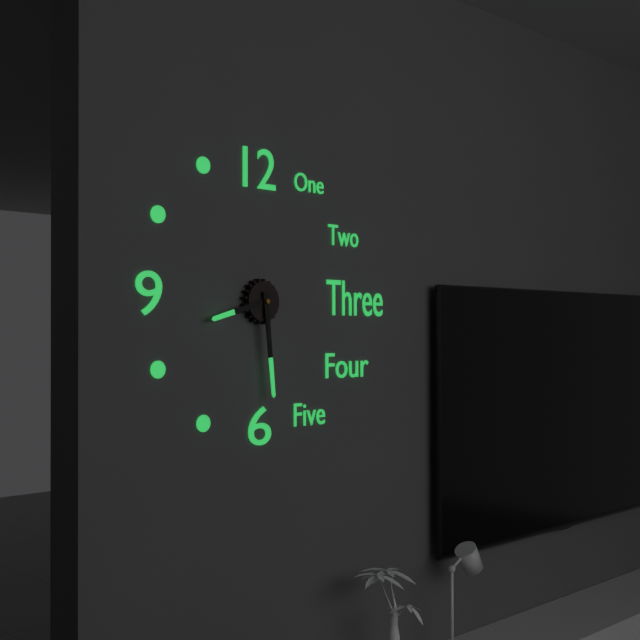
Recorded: 8h29
